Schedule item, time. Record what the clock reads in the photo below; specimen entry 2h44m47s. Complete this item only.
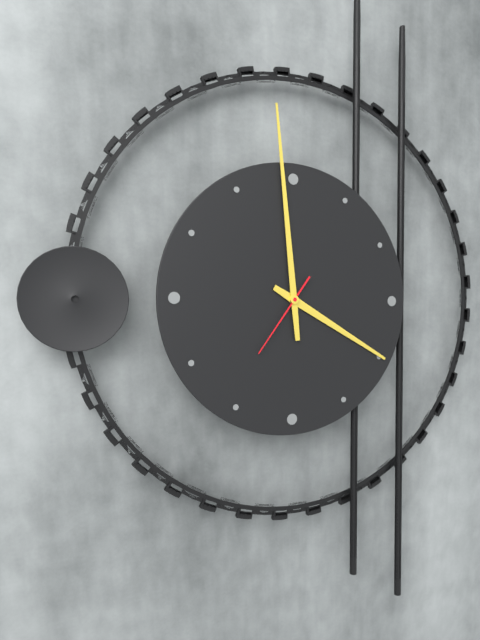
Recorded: 3h59m36s
